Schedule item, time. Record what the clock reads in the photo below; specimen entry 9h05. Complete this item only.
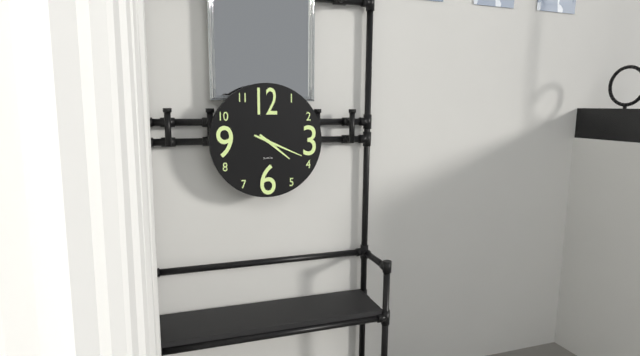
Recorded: 4h19
